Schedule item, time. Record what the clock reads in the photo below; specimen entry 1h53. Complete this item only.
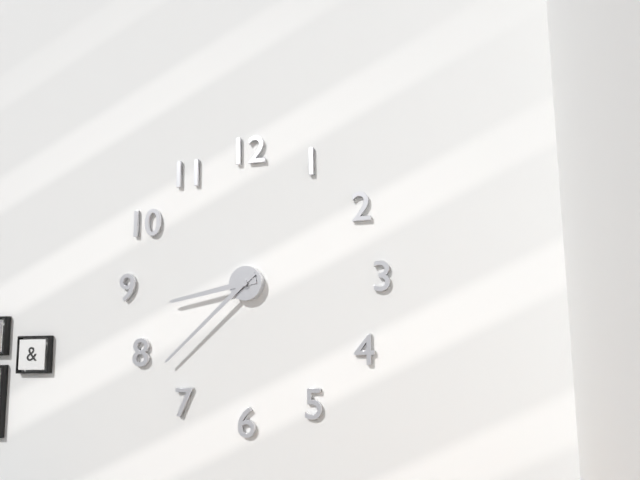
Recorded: 8h38
